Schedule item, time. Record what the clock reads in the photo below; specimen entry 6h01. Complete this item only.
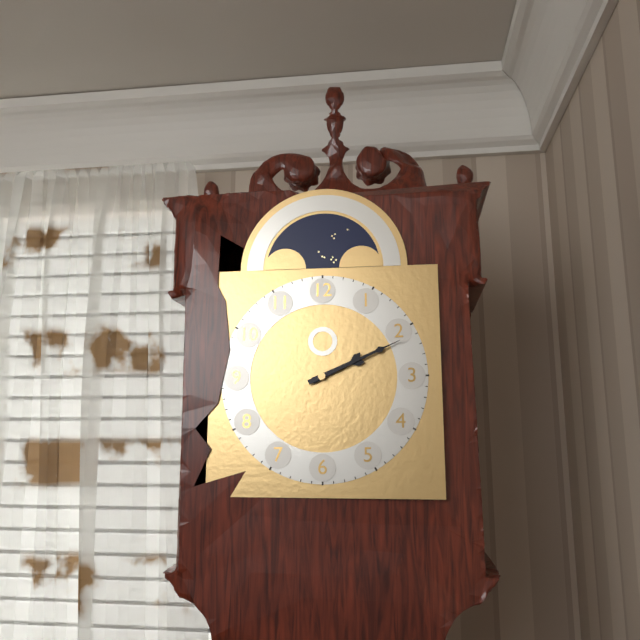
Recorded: 2h11
